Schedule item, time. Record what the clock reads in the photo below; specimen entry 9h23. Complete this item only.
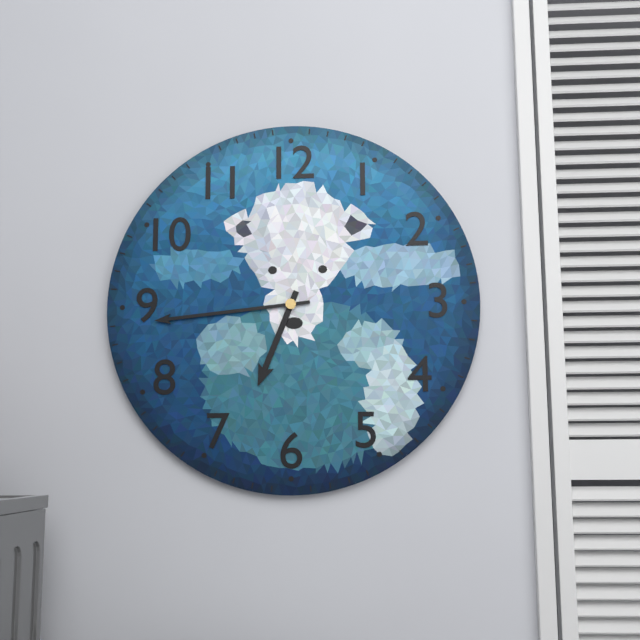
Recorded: 6h44
